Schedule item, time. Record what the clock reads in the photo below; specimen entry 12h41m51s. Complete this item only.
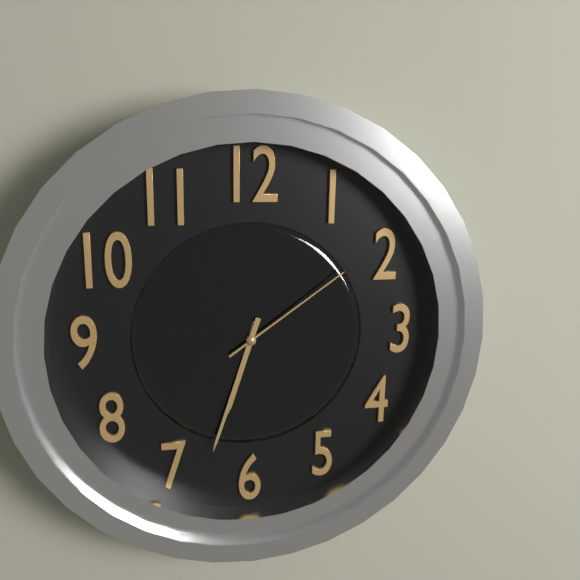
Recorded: 6h33m09s
